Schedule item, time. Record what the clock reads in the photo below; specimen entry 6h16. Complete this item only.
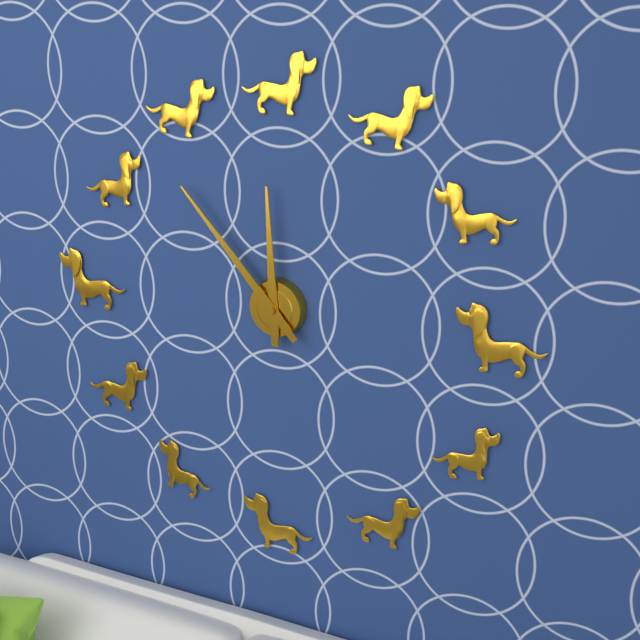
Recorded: 11h53
